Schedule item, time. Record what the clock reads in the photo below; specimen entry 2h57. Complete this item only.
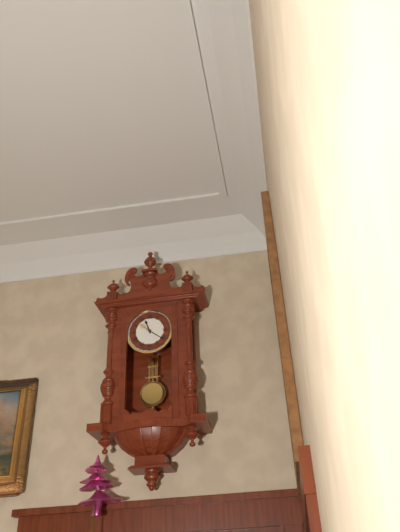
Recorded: 11h21
